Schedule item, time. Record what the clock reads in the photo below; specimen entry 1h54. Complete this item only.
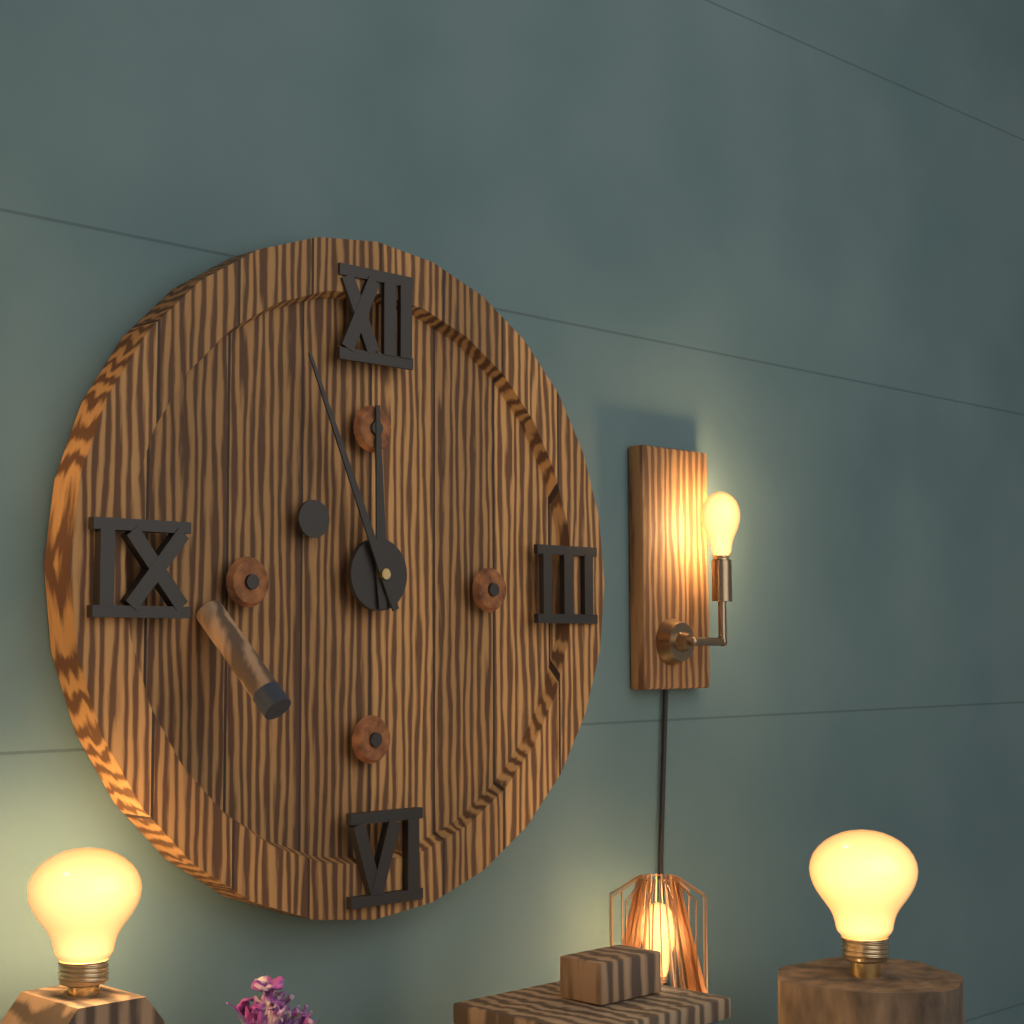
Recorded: 11h56
